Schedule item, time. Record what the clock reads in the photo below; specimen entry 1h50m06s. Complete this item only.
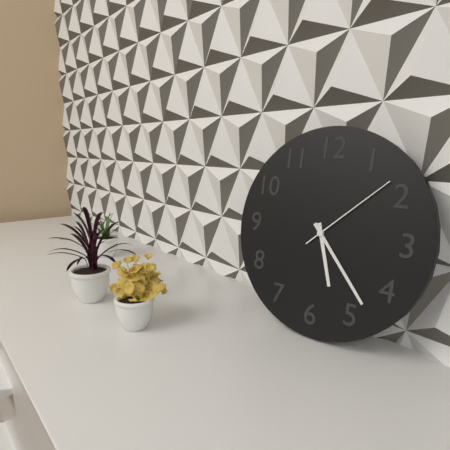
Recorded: 5h23m08s
